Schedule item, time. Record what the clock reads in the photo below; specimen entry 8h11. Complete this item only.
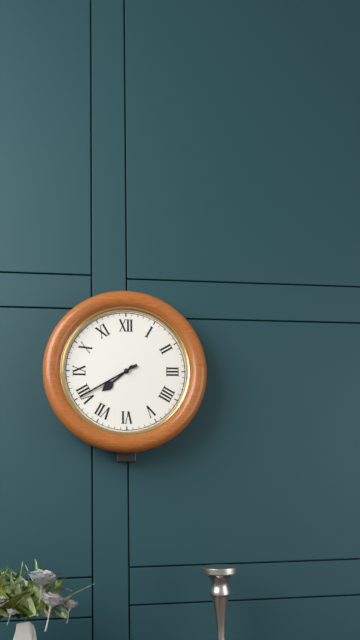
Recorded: 7h40
